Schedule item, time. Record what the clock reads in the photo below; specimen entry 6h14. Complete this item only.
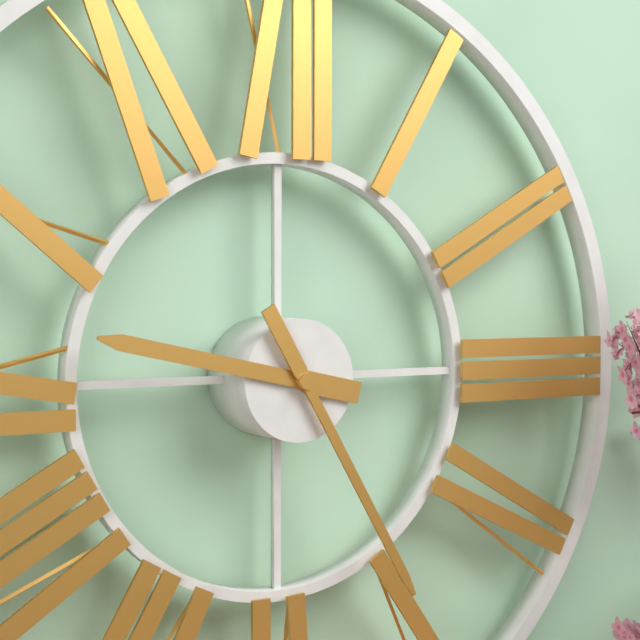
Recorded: 9h25
